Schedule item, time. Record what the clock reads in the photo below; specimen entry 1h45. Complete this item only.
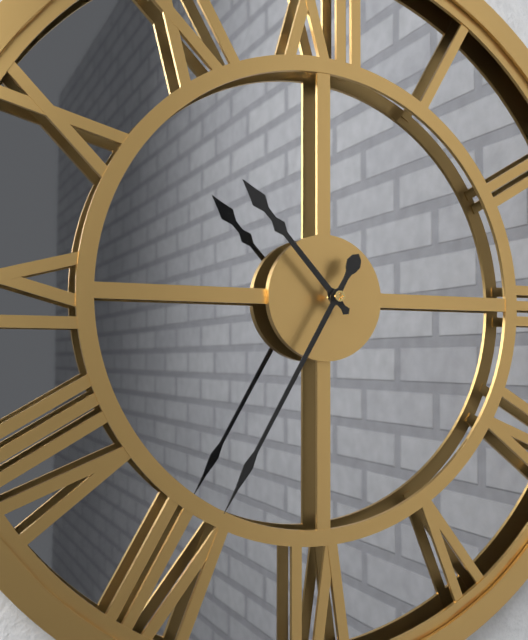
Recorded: 10h35
